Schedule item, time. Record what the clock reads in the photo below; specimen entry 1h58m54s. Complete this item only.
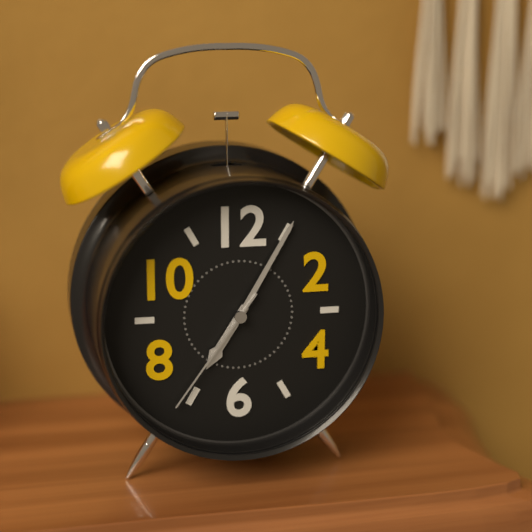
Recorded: 7h05m36s
